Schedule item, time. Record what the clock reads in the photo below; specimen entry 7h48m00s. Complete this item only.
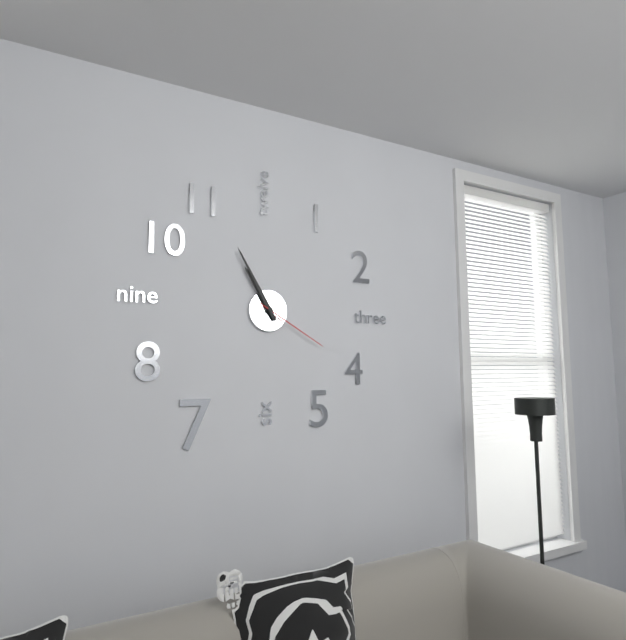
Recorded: 10h55m20s
